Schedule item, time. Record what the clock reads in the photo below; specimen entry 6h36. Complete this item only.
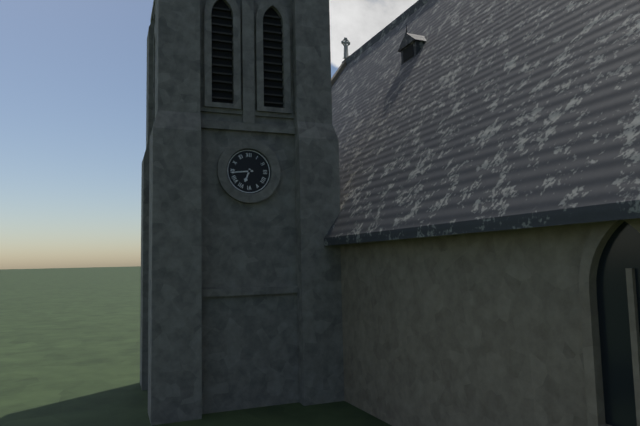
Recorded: 6h44
